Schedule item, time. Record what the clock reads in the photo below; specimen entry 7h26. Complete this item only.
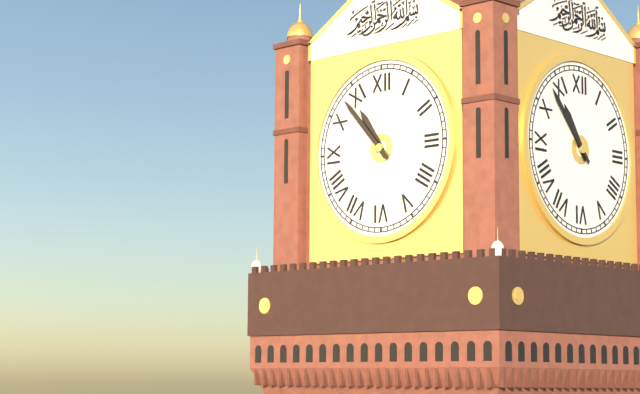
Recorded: 10h53
